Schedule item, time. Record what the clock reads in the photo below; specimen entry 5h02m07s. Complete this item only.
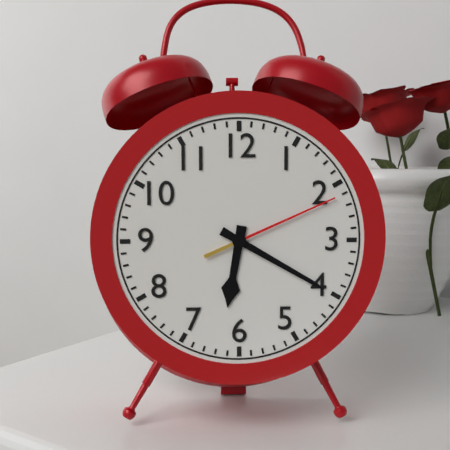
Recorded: 6h20m11s
